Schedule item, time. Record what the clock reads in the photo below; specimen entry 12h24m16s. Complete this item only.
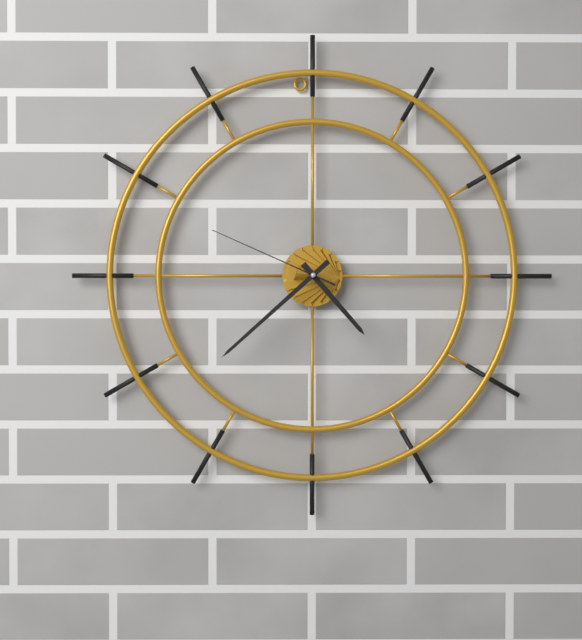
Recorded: 4h38m49s
